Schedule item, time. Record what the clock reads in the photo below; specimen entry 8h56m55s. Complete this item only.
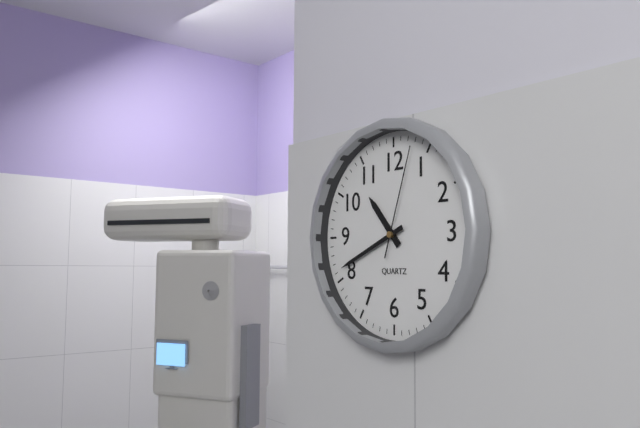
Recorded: 10h41m03s
